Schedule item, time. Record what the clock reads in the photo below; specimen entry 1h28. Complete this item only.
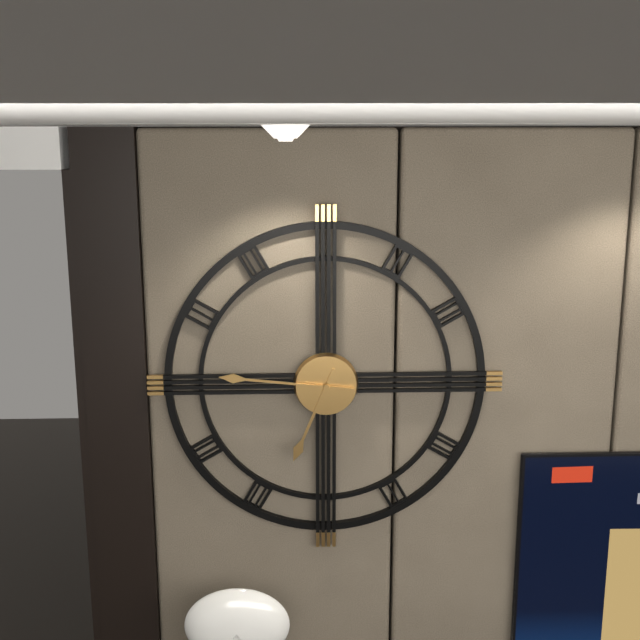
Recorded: 6h46
